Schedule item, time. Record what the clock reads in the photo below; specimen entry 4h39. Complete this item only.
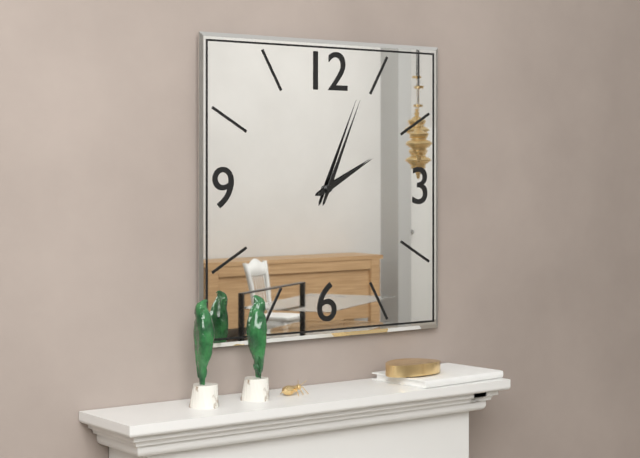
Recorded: 2h04
